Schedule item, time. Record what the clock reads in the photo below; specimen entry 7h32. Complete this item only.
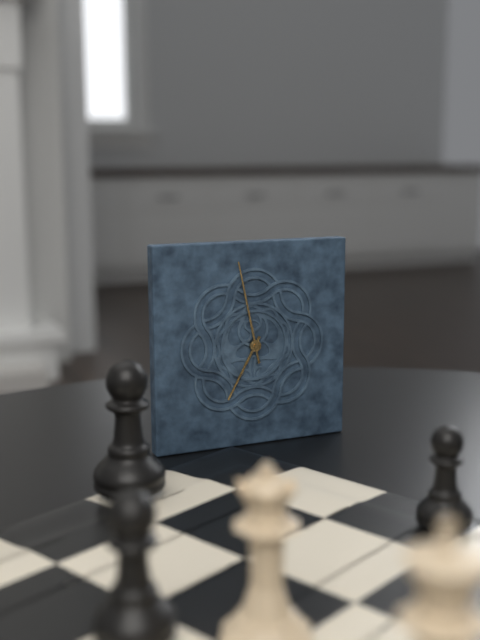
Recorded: 6h58
